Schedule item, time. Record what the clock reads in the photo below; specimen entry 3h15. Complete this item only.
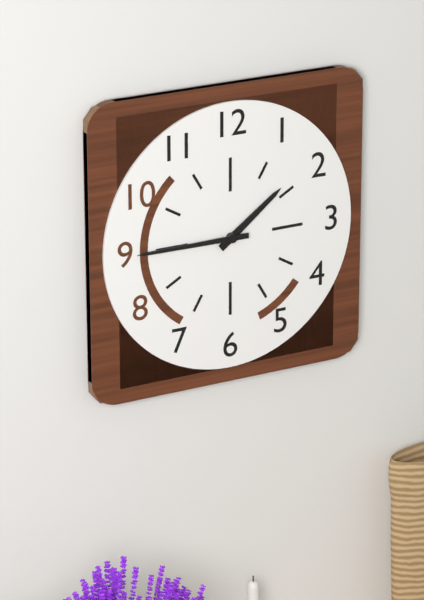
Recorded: 1h45
